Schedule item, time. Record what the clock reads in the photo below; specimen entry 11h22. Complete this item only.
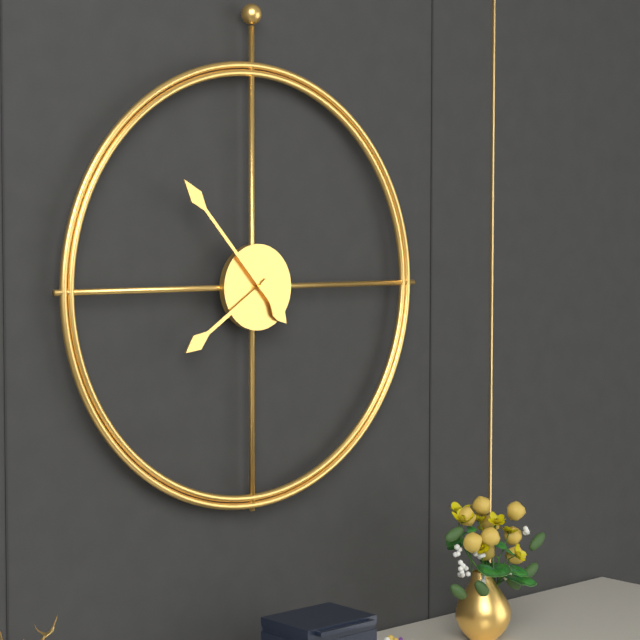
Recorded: 7h53
